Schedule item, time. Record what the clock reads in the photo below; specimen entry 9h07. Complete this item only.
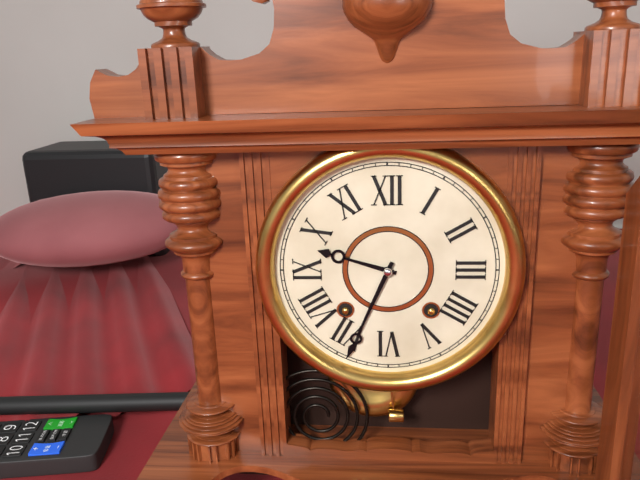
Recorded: 9h34
